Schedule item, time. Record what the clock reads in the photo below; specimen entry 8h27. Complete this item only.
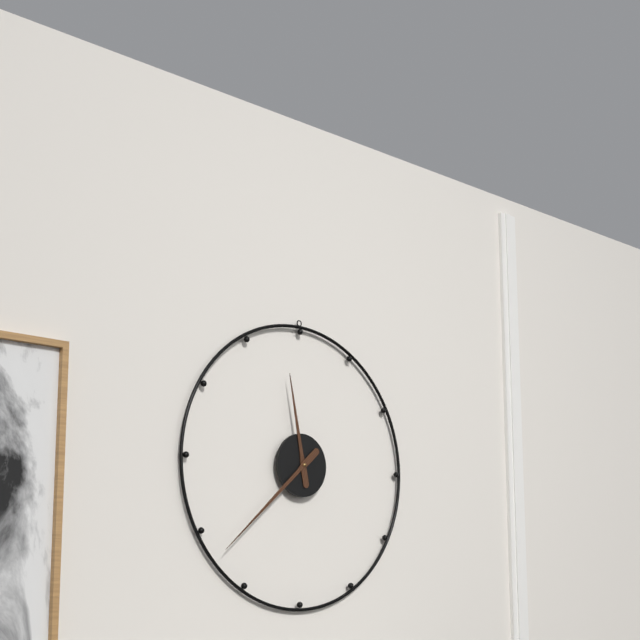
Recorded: 11h38
